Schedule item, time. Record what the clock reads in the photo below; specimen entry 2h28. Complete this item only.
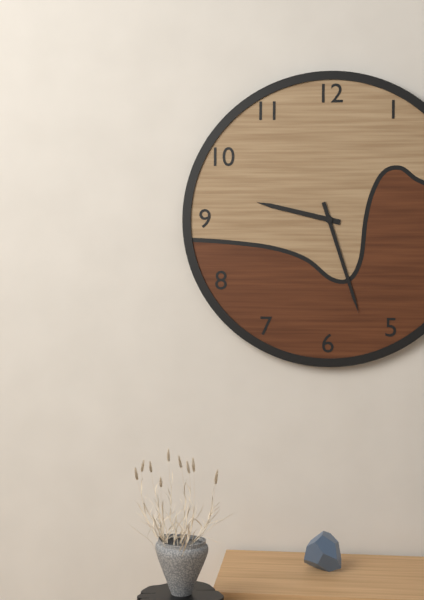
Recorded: 9h27
